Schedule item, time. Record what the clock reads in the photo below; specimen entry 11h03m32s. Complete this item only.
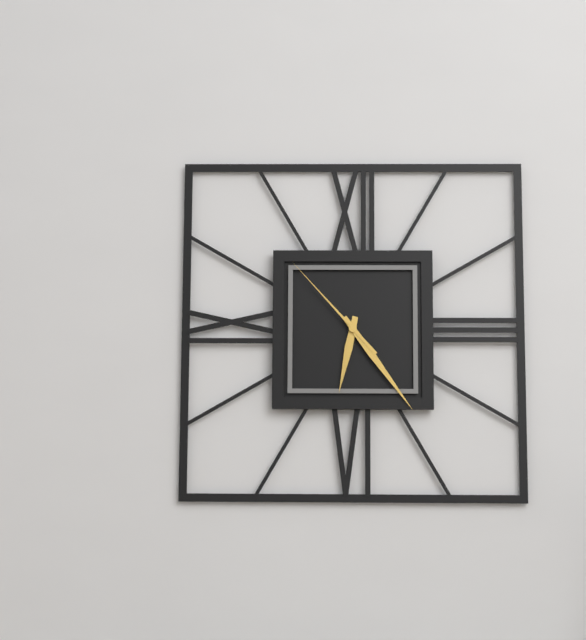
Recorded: 6h24m53s
